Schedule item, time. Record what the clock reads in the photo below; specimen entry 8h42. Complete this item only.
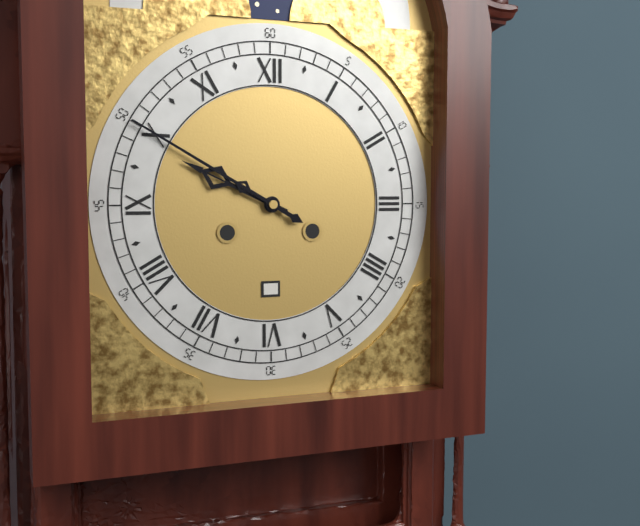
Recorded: 9h50
